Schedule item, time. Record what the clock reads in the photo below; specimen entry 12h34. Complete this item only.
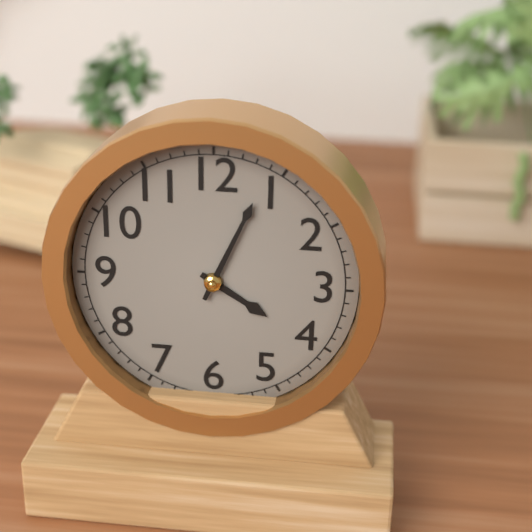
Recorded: 4h04
